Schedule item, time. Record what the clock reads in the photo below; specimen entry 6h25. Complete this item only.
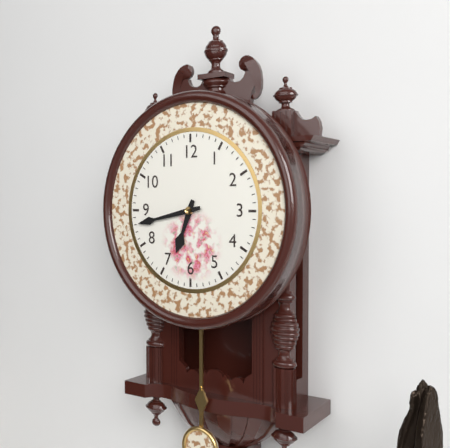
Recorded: 6h43
